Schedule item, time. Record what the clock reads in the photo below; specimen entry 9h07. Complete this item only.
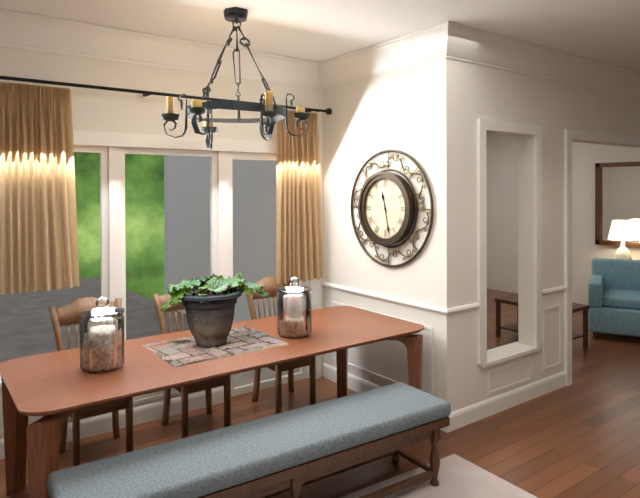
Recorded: 11h28
